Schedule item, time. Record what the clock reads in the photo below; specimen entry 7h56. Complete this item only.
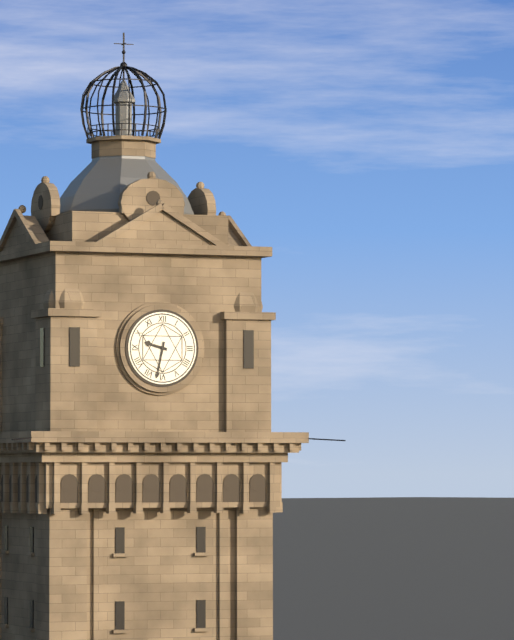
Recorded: 9h32
